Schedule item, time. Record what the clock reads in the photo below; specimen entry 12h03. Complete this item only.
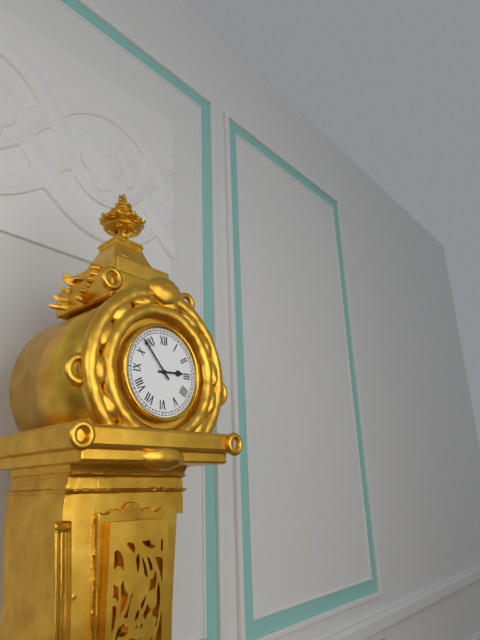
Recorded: 2h53
